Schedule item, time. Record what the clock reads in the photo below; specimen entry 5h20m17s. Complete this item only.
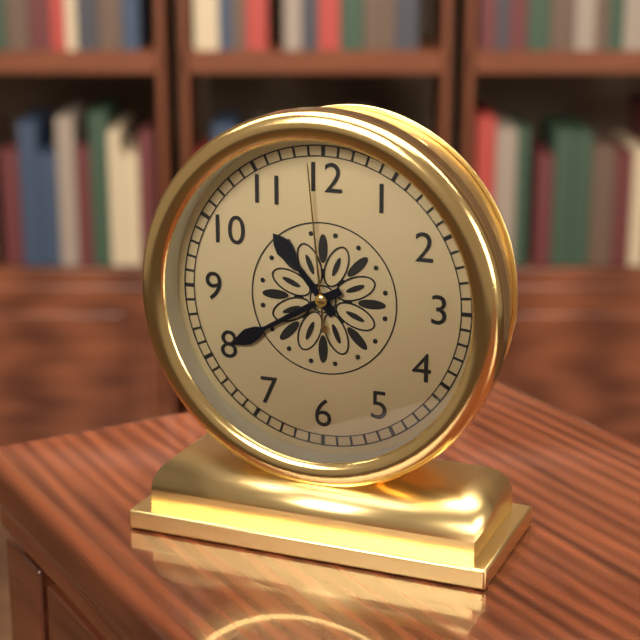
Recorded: 10h40m59s
